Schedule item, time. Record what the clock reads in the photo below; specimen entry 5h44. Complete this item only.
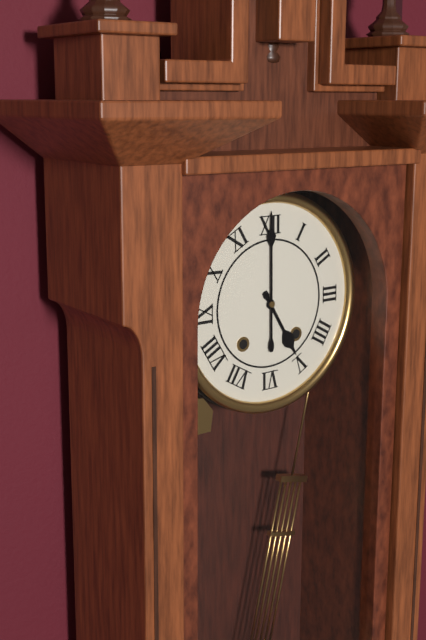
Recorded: 5h00
